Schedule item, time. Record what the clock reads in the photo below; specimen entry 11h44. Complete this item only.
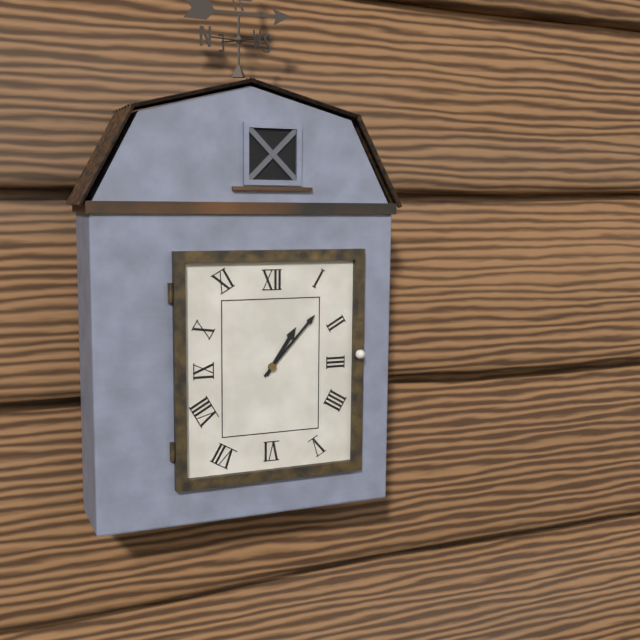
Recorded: 1h07
